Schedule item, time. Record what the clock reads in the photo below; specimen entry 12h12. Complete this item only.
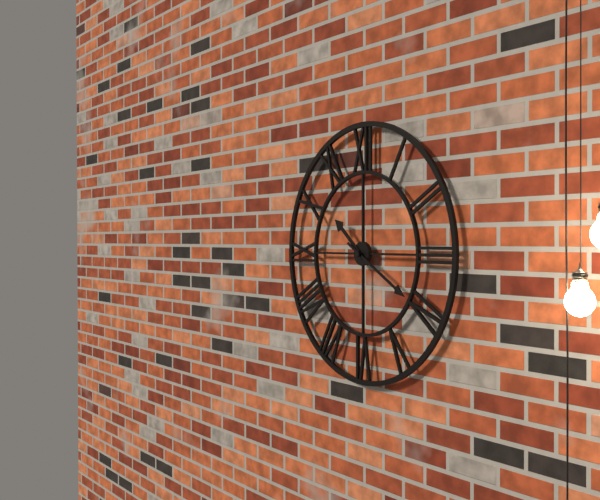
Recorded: 10h20
